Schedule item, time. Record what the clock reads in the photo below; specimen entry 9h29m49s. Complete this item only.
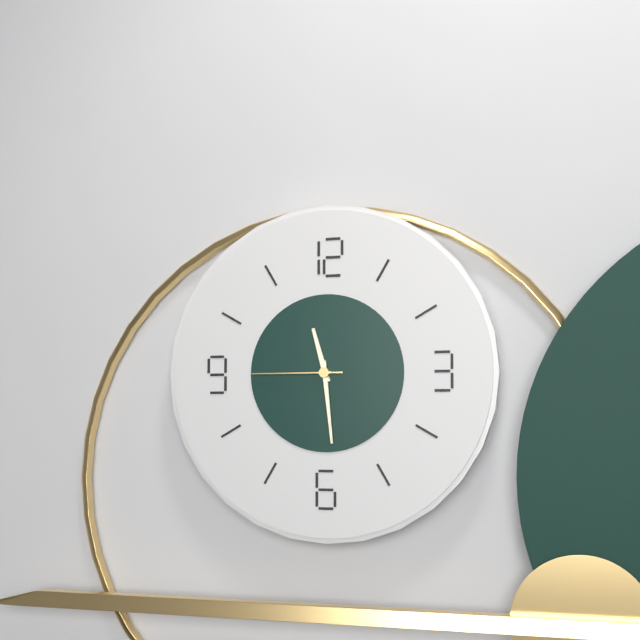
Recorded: 11h29m45s
